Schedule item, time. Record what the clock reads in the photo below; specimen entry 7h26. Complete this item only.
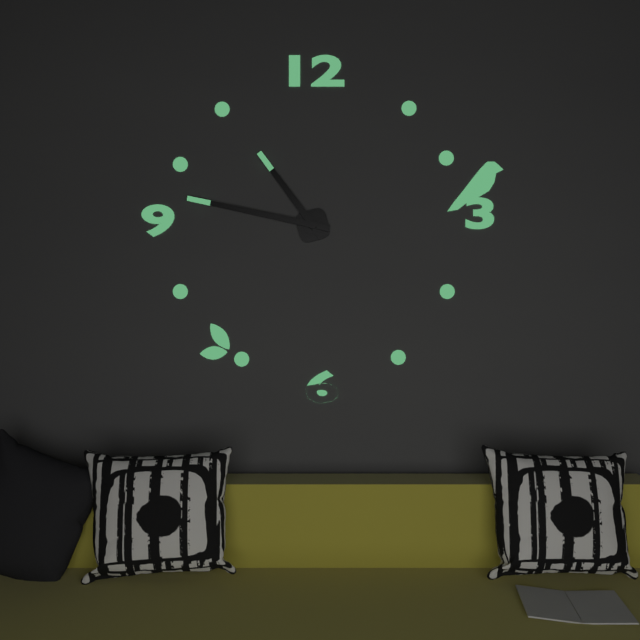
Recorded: 10h47
